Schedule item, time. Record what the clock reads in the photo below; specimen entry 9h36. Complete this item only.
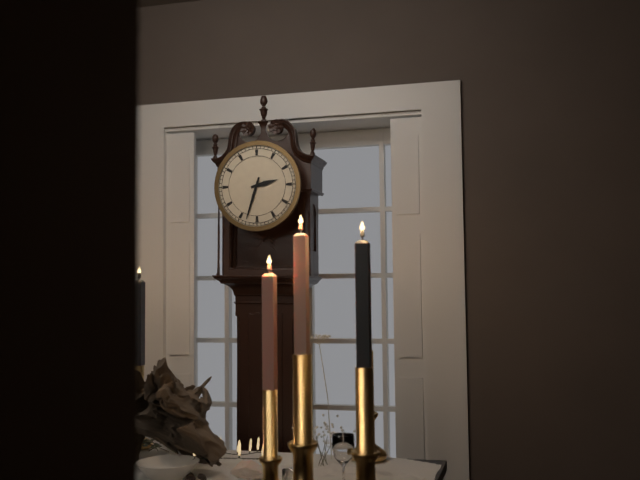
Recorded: 2h33
